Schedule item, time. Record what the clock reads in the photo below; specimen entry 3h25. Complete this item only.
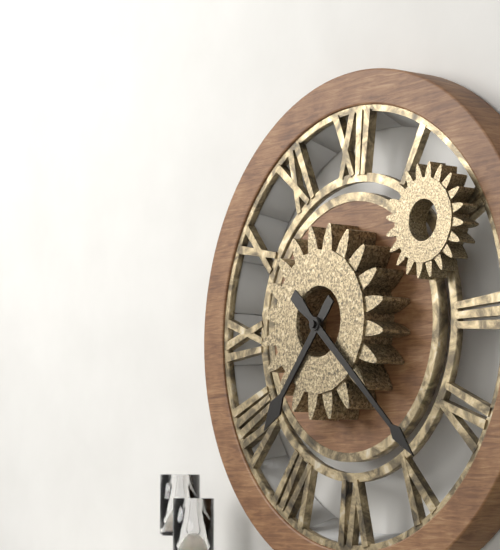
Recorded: 7h22
